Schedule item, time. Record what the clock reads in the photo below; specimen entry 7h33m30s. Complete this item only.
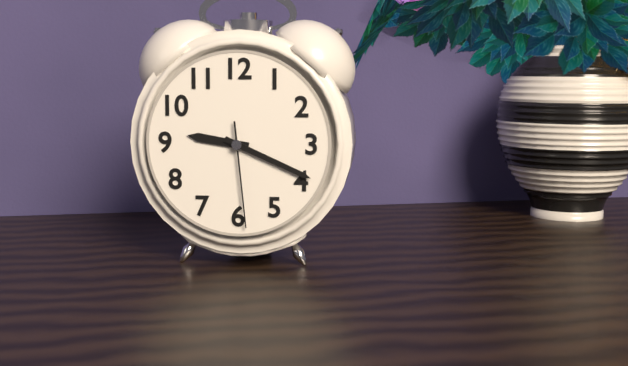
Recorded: 9h19m29s
